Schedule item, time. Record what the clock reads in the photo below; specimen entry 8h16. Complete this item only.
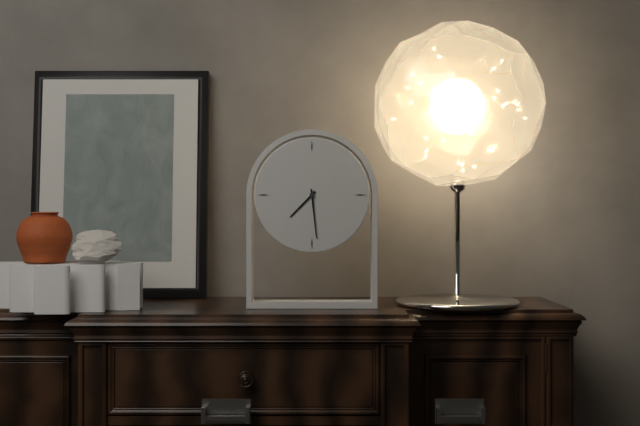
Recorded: 7h29
